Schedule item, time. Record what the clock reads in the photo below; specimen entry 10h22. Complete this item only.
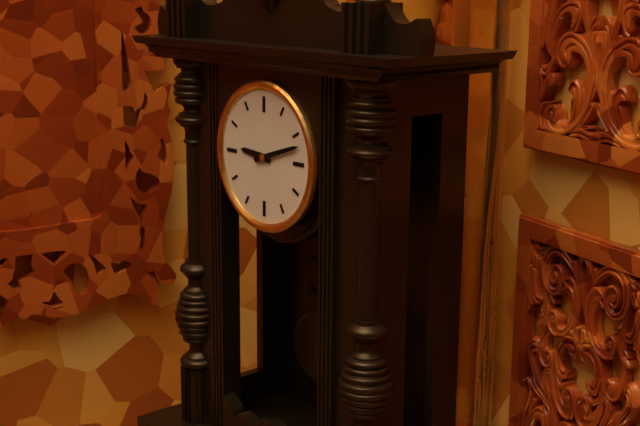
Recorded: 9h12
